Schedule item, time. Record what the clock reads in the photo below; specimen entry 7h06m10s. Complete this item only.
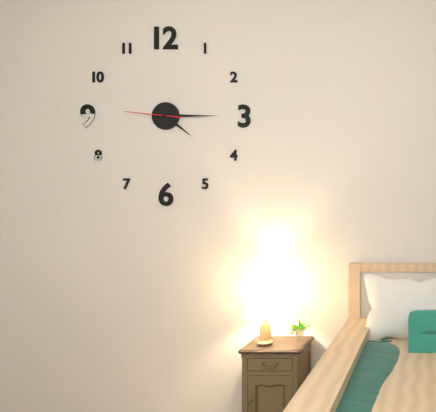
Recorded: 4h15m46s
